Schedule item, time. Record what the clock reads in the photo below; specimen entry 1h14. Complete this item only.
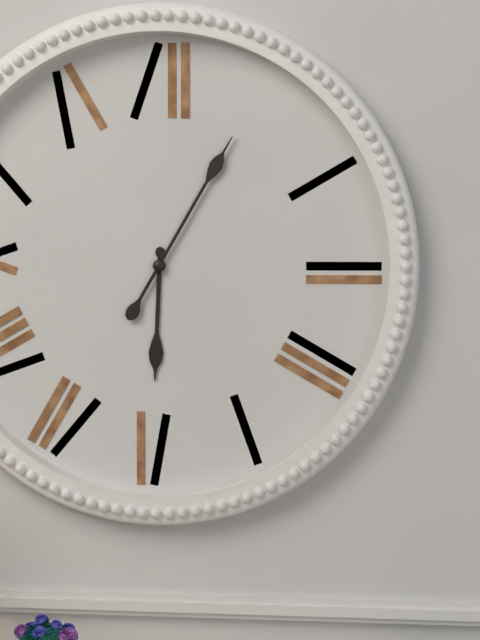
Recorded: 6h05
